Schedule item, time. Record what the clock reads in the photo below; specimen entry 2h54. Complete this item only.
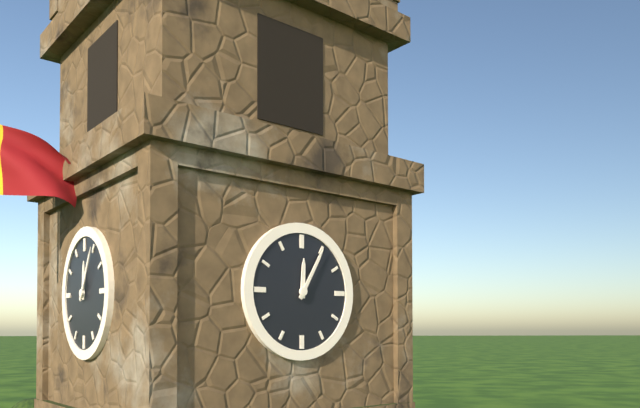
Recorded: 12h05
